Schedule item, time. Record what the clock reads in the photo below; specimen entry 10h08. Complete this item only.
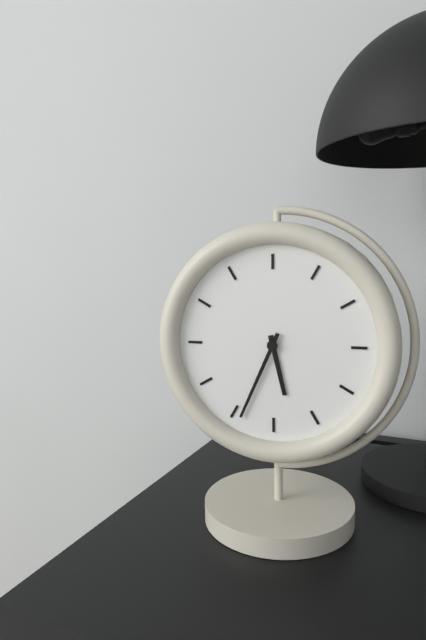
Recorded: 5h34
